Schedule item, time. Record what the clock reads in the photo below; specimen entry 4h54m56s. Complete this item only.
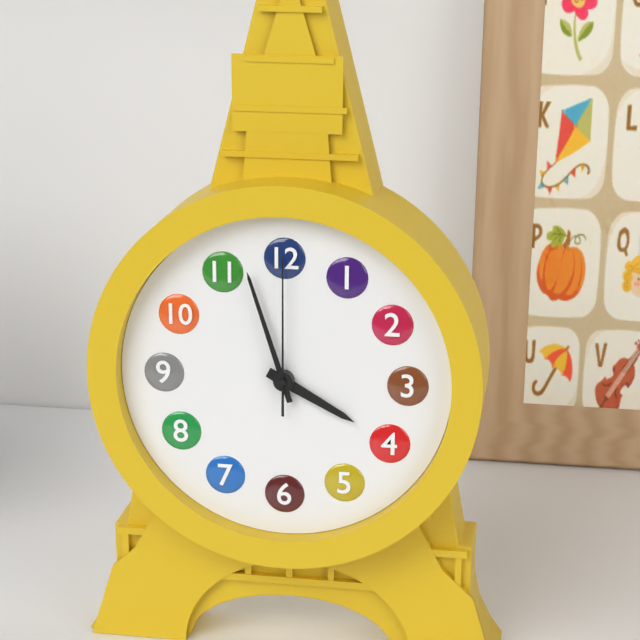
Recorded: 3h57m00s
